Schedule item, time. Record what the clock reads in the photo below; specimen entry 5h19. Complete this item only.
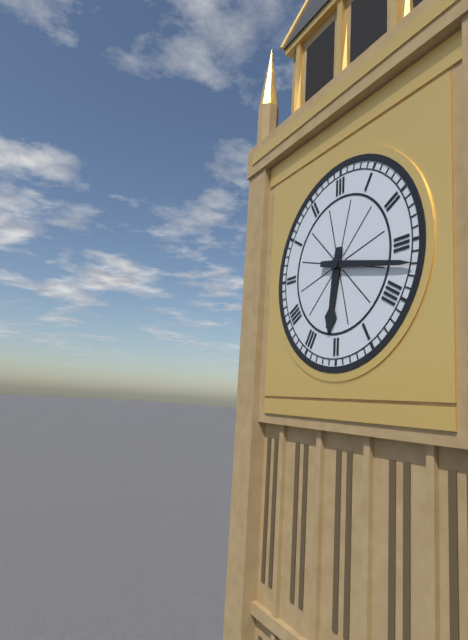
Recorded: 6h17
